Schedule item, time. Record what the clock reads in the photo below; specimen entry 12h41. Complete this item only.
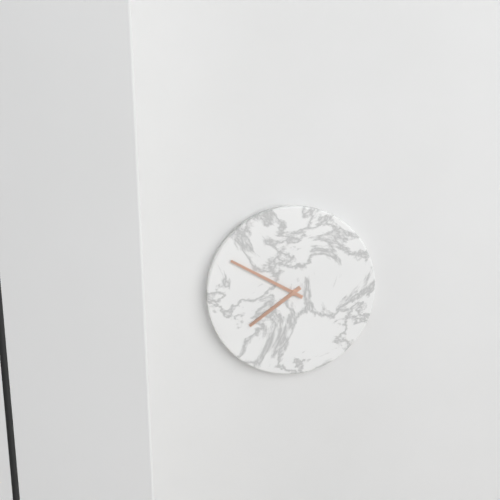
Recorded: 7h50
